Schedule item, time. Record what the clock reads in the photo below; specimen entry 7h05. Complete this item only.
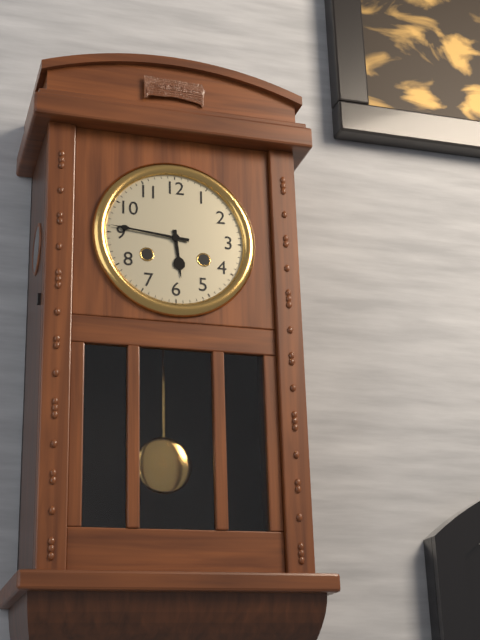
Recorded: 5h46
